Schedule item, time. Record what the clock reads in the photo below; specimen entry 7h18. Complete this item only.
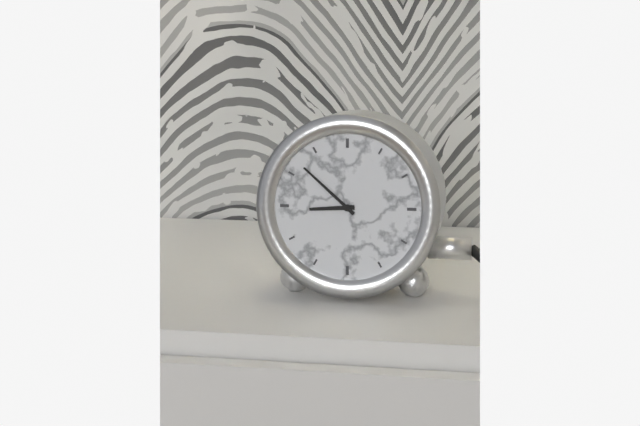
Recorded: 8h52
